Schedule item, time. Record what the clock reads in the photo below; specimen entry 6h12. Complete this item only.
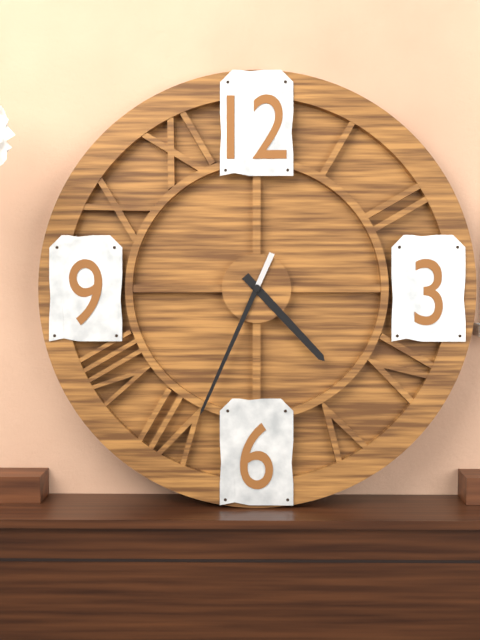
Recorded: 4h34
